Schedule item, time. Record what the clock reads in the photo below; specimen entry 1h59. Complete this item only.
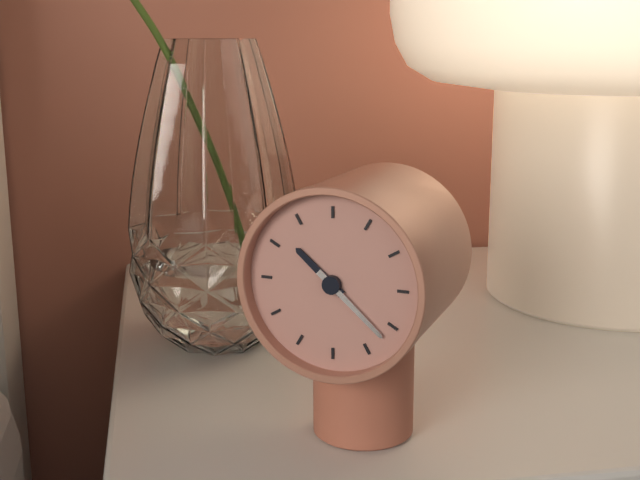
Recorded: 10h22
